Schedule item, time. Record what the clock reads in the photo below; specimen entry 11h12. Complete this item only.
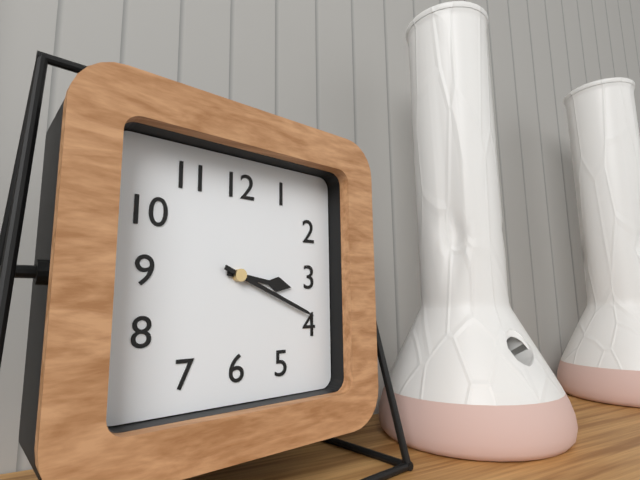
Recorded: 3h19
